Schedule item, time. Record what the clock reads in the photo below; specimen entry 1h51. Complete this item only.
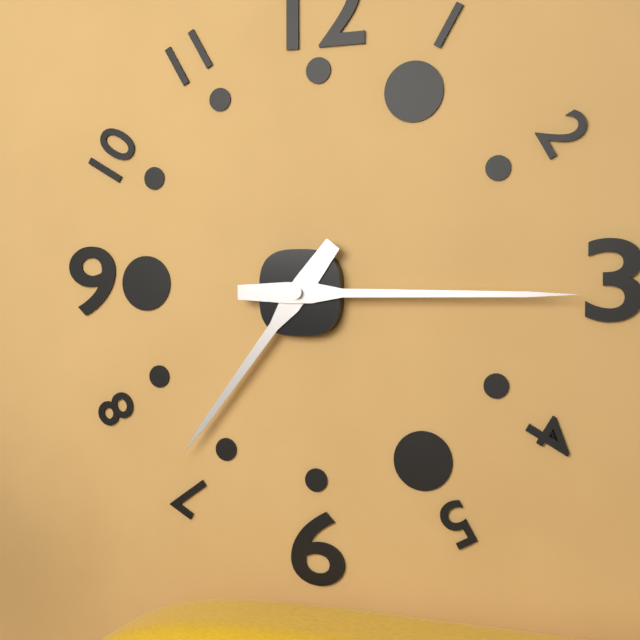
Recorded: 7h15
